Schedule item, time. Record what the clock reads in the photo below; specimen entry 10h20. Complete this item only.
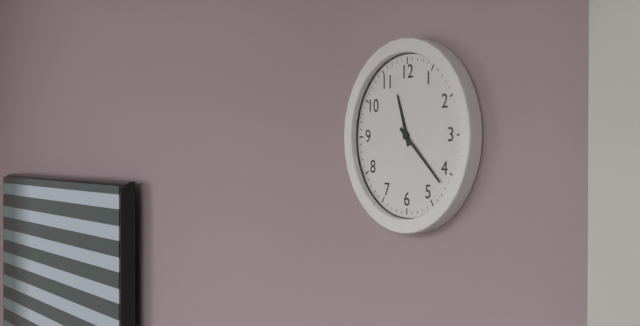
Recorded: 11h22
